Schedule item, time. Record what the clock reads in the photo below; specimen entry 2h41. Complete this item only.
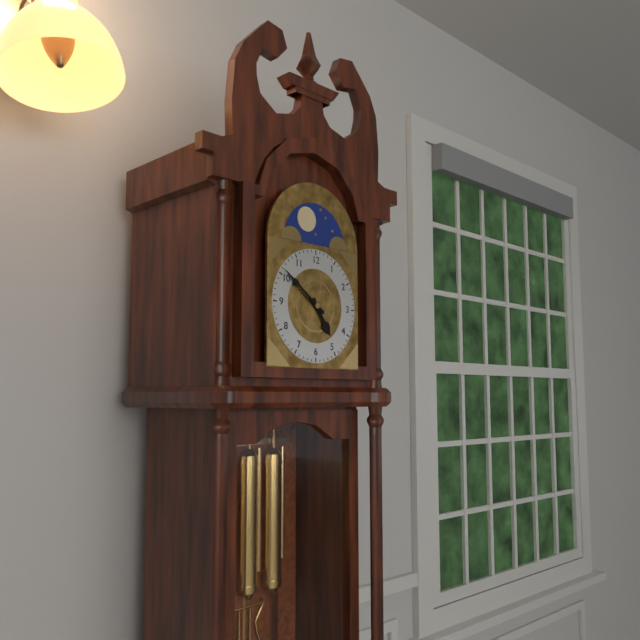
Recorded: 4h51
